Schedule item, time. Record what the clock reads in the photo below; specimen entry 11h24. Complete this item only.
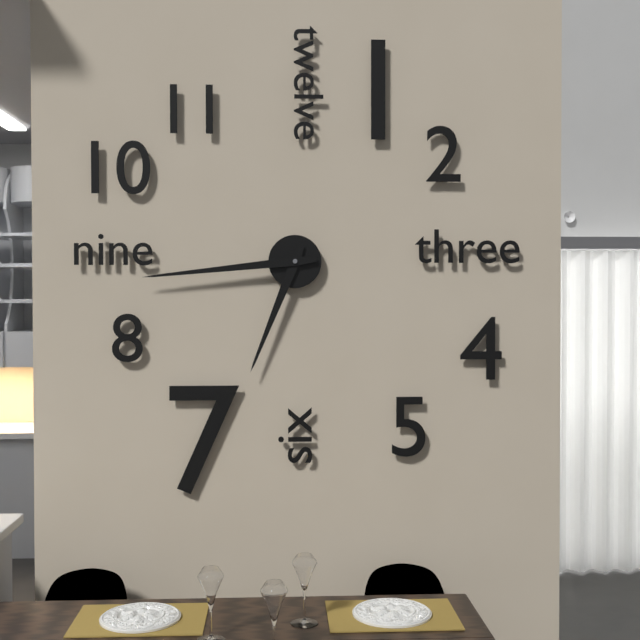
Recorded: 6h44
